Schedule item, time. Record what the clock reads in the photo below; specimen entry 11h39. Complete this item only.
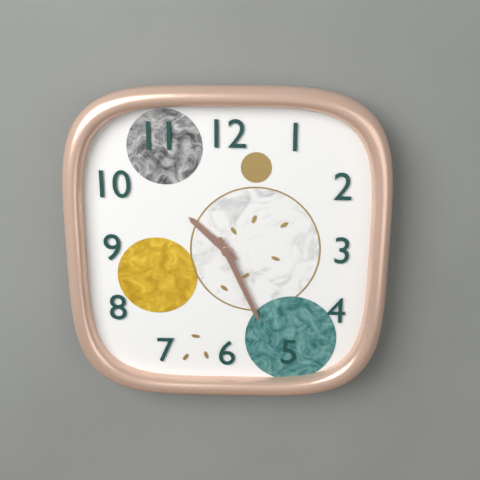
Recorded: 10h26
